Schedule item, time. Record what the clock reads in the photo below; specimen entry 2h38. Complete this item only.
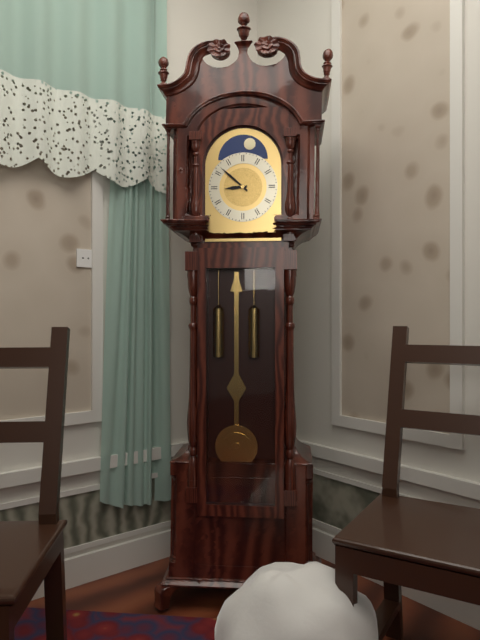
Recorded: 8h52
